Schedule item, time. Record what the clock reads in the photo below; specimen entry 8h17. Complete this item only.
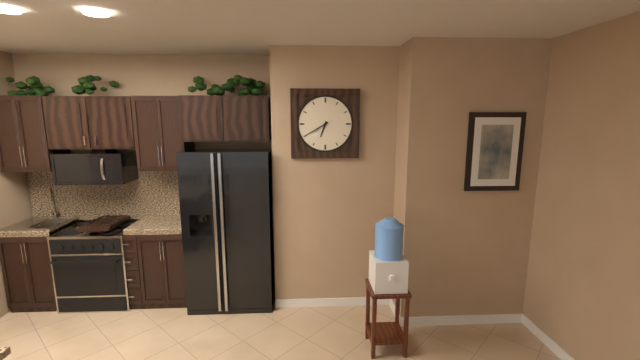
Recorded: 6h40
